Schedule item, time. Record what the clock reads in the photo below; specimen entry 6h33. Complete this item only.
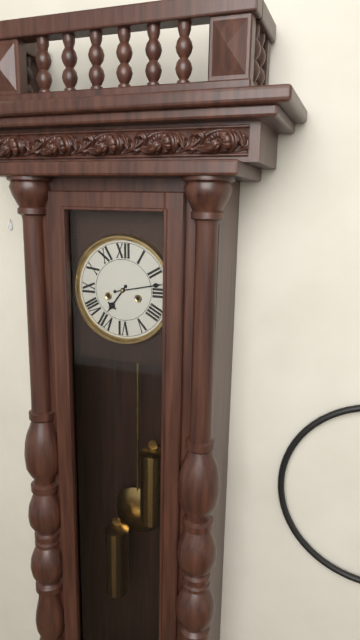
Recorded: 7h13
